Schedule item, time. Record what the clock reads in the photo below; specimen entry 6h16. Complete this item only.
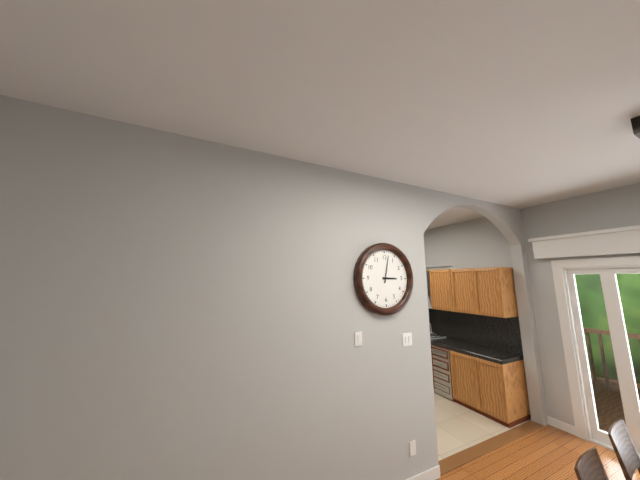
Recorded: 3h02
